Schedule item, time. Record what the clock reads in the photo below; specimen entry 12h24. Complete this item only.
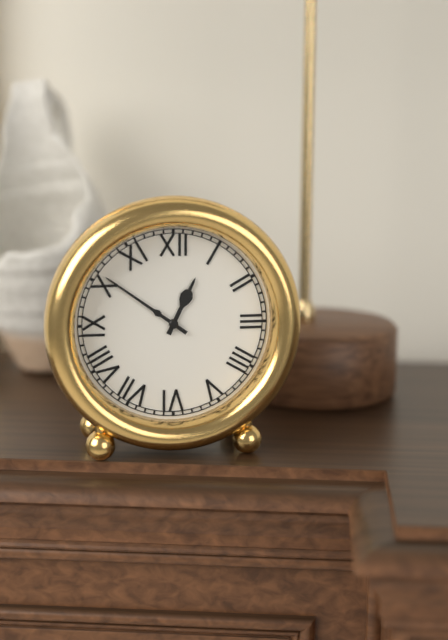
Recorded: 12h51
